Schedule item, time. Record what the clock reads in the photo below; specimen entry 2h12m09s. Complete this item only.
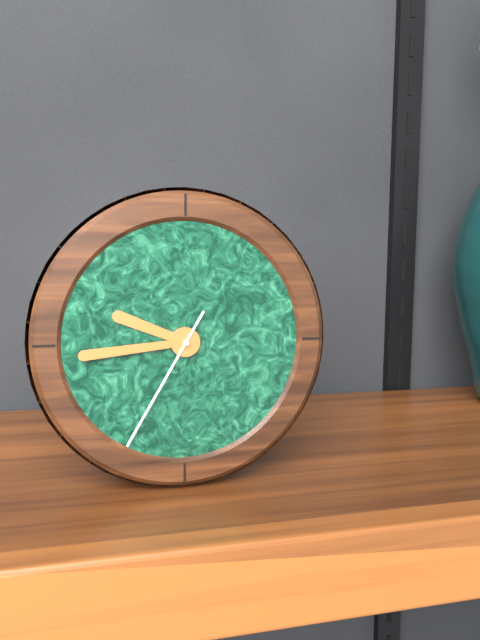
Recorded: 9h44m35s
